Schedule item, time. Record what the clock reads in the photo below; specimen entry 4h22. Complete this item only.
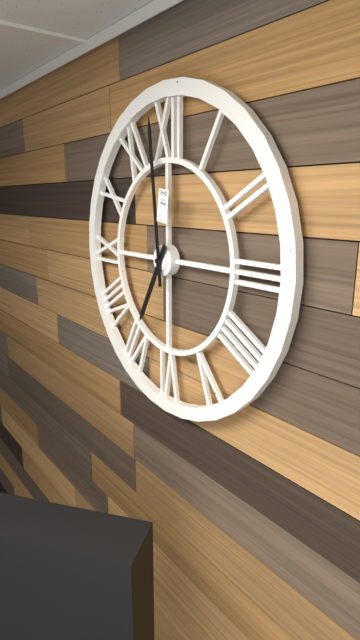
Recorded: 6h59
